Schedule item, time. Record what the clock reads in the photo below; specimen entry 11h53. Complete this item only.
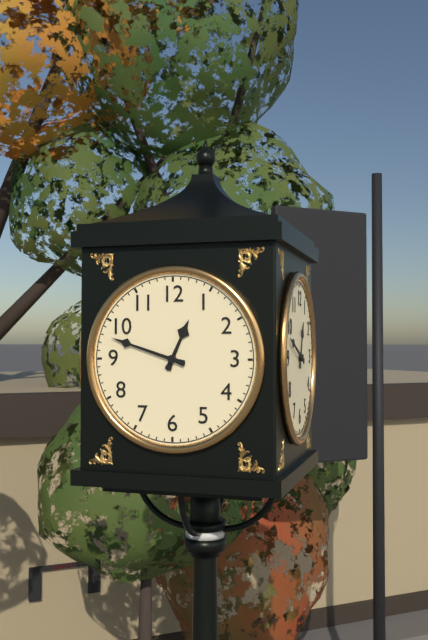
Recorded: 12h48
